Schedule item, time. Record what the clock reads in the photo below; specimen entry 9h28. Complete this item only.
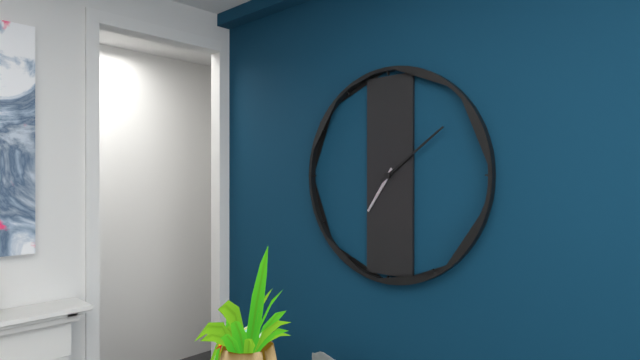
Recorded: 7h09
